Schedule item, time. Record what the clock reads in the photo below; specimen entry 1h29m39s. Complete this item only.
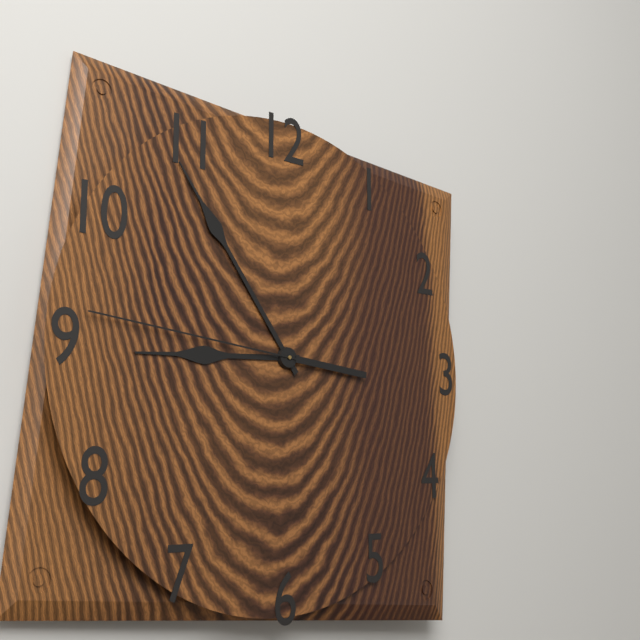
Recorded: 8h54m46s
